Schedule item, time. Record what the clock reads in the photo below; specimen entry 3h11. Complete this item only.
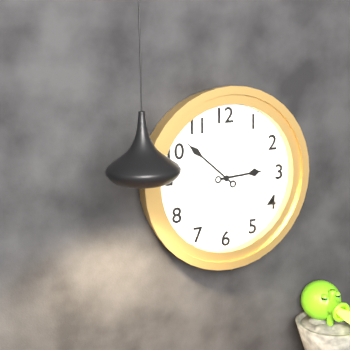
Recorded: 2h52
